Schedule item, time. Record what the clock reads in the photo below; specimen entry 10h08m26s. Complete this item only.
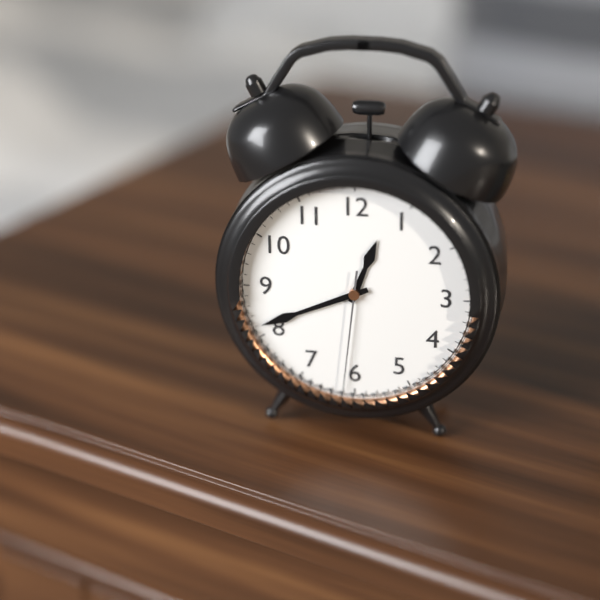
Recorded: 12h41m31s
